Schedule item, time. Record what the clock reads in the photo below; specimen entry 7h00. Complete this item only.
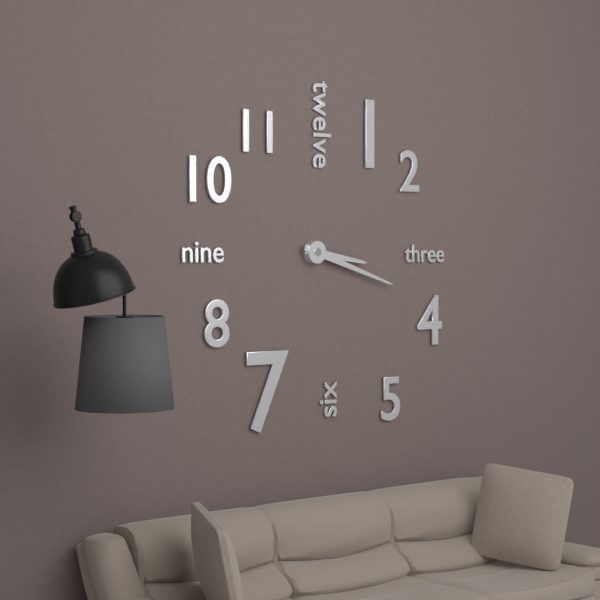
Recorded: 3h18
